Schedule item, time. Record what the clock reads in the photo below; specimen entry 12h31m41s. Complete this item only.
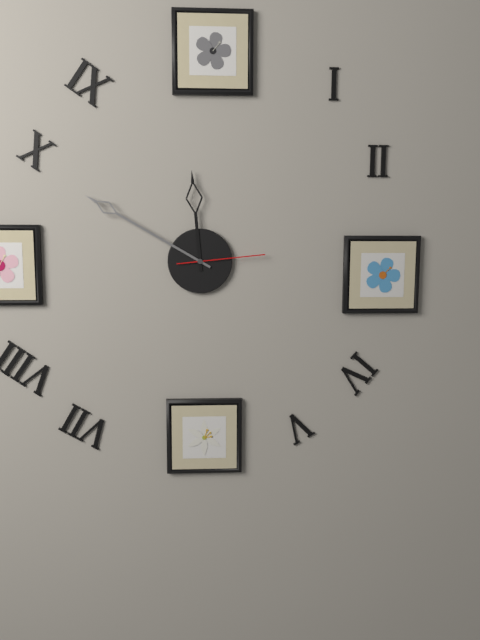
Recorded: 11h50m14s
